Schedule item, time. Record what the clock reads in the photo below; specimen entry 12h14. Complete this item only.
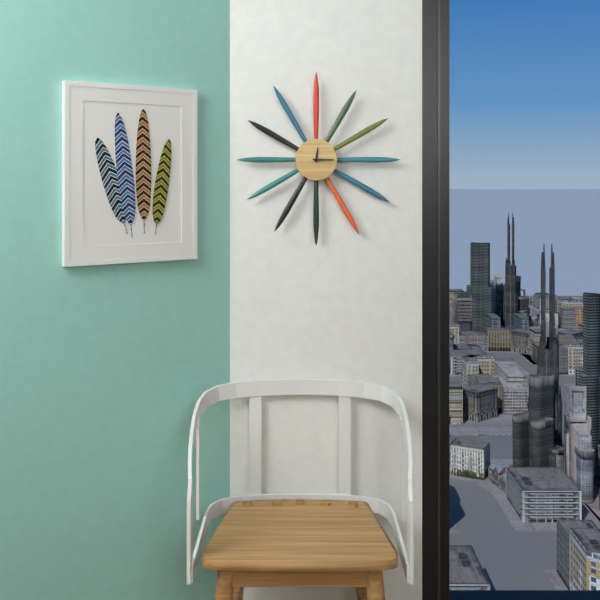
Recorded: 12h15
